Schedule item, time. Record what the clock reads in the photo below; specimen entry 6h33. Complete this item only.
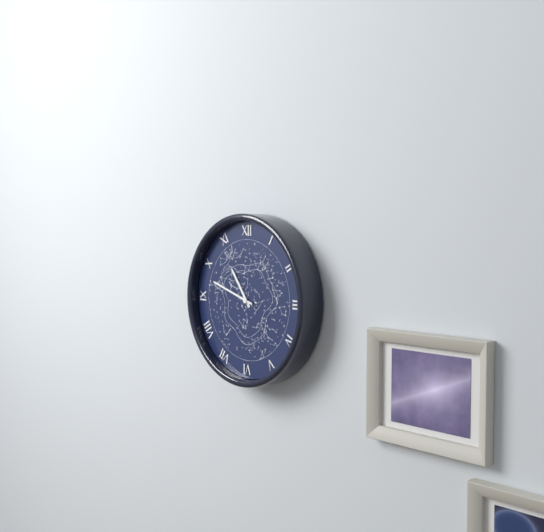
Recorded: 10h48
